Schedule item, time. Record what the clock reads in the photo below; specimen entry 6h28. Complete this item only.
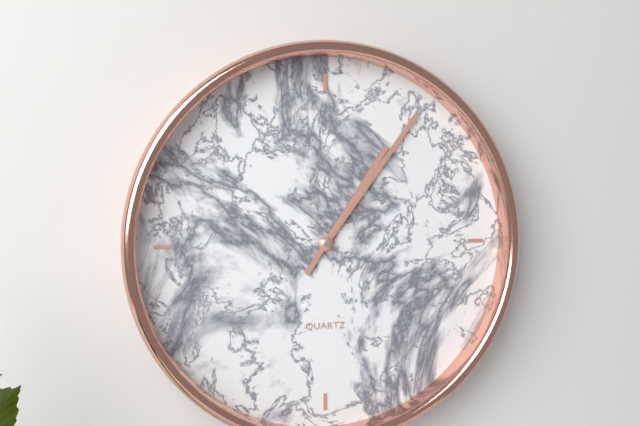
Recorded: 1h06
